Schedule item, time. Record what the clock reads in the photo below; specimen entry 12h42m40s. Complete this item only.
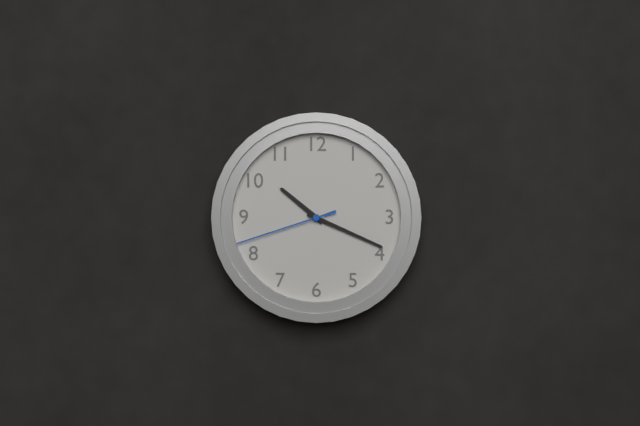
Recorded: 10h19m42s
